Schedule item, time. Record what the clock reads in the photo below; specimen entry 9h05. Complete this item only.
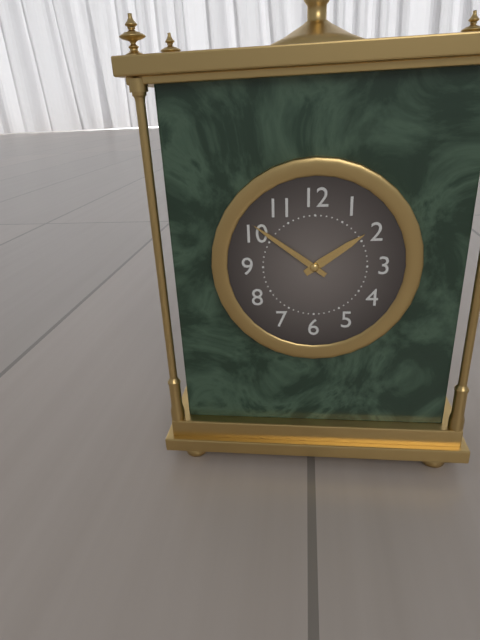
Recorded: 1h51
